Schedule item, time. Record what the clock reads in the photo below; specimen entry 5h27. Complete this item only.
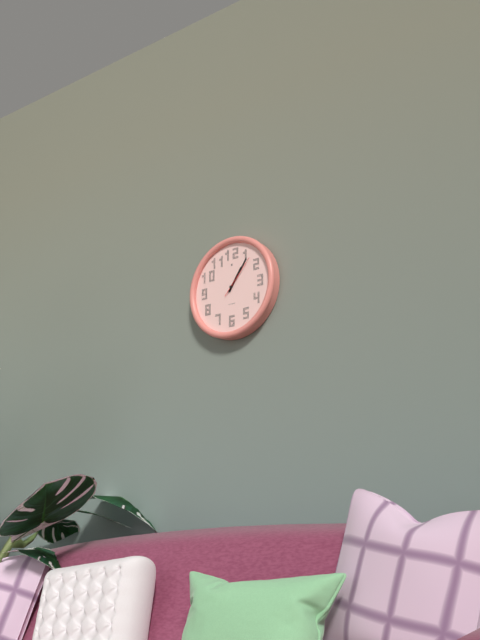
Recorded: 1h06
